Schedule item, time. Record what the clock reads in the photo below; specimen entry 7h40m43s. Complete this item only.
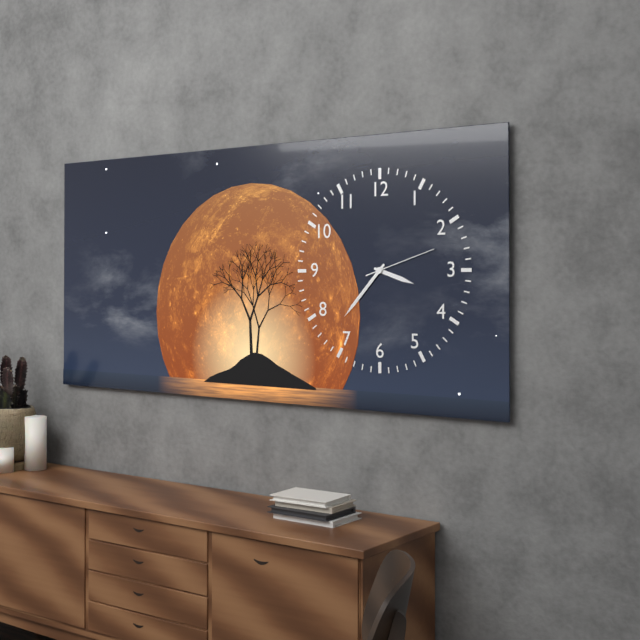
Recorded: 3h37m12s
